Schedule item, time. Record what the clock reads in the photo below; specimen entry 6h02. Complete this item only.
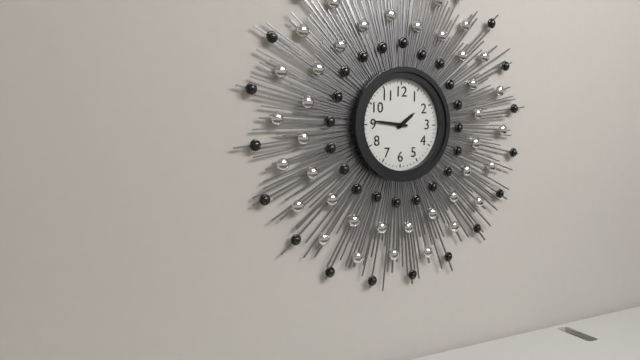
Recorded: 1h46
